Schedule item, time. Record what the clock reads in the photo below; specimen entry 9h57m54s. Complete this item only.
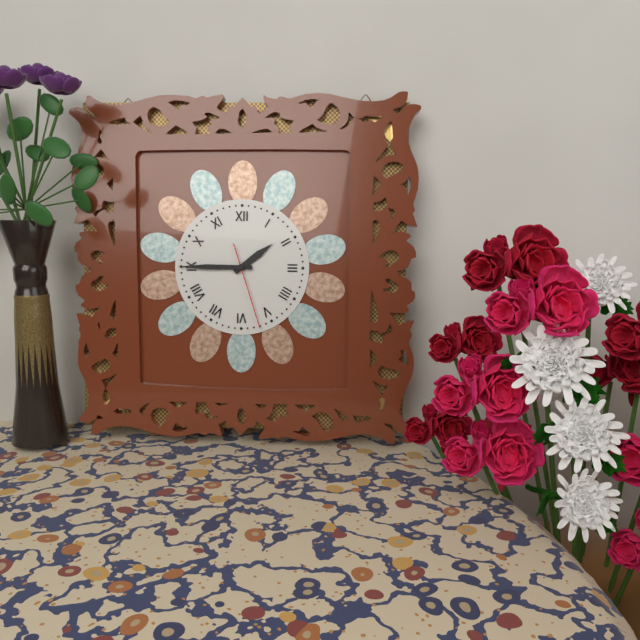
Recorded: 1h45m27s
